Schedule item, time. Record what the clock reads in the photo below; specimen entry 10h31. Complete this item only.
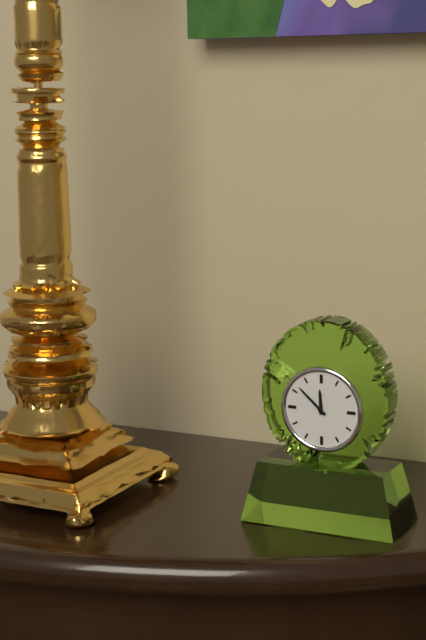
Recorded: 11h52
